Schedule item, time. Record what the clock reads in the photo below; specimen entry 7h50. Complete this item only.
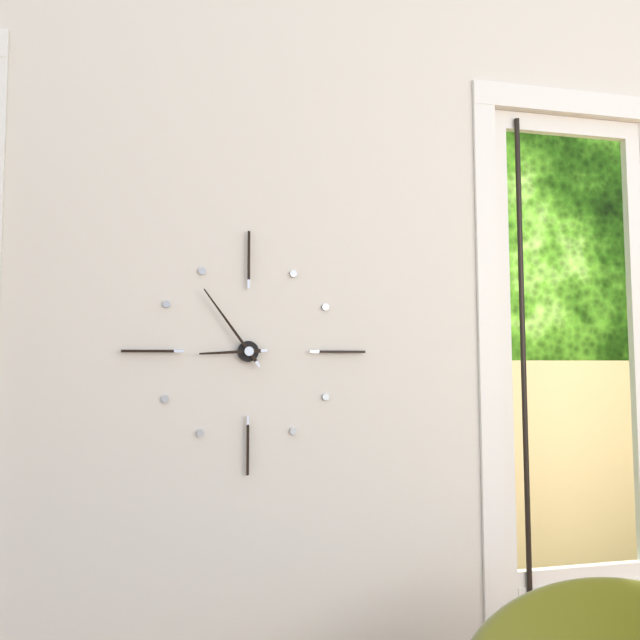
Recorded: 8h54
